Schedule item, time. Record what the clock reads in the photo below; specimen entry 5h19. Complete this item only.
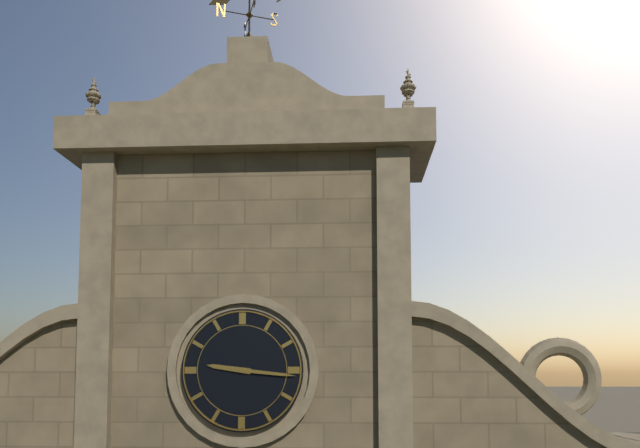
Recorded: 9h16
